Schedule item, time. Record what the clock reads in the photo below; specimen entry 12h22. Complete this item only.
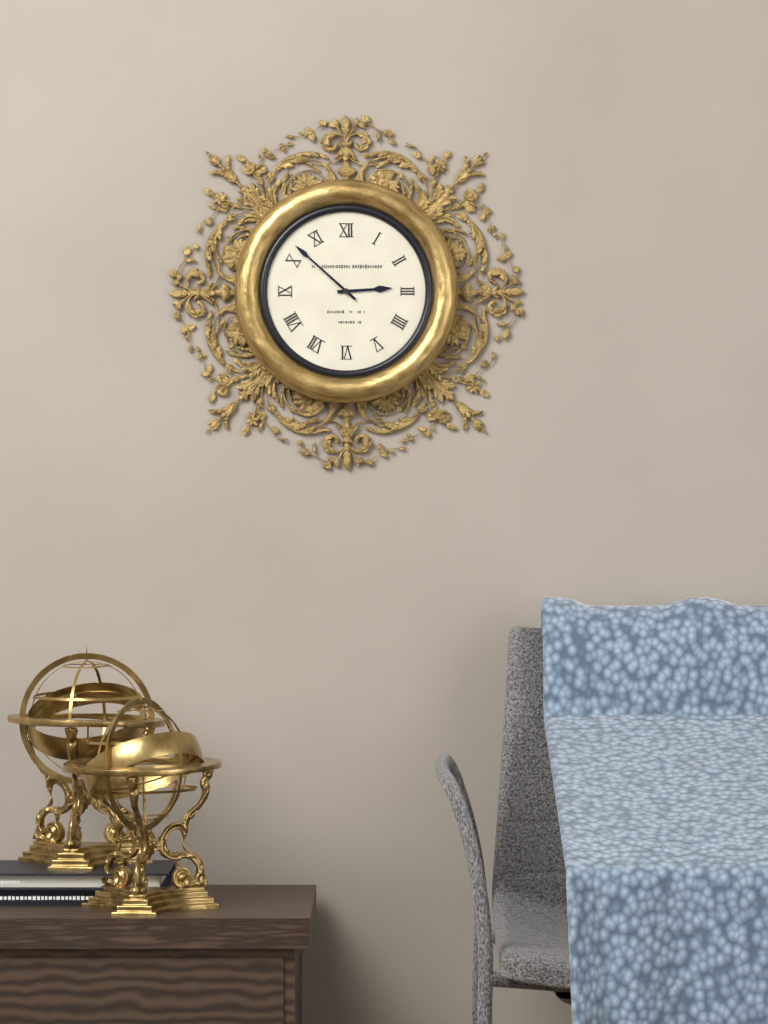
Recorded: 2h52
